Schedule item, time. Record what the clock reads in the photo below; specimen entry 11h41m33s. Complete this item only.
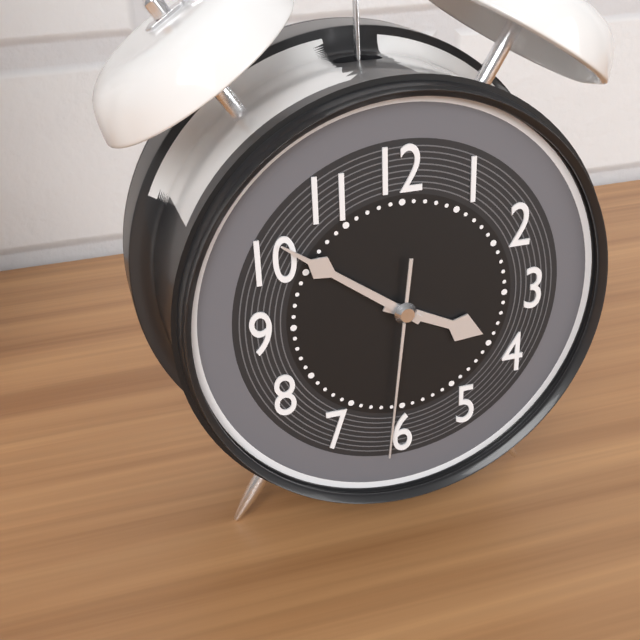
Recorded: 3h51m31s
